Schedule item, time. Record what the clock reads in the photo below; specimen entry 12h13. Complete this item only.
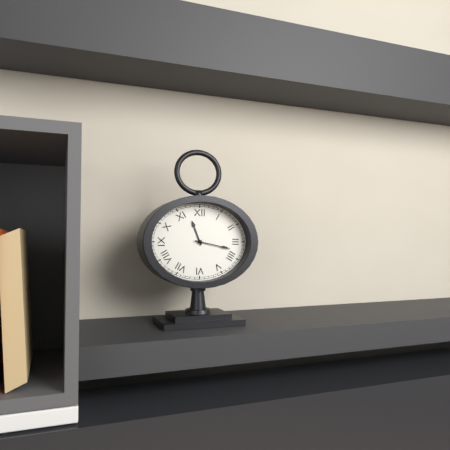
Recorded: 11h17
